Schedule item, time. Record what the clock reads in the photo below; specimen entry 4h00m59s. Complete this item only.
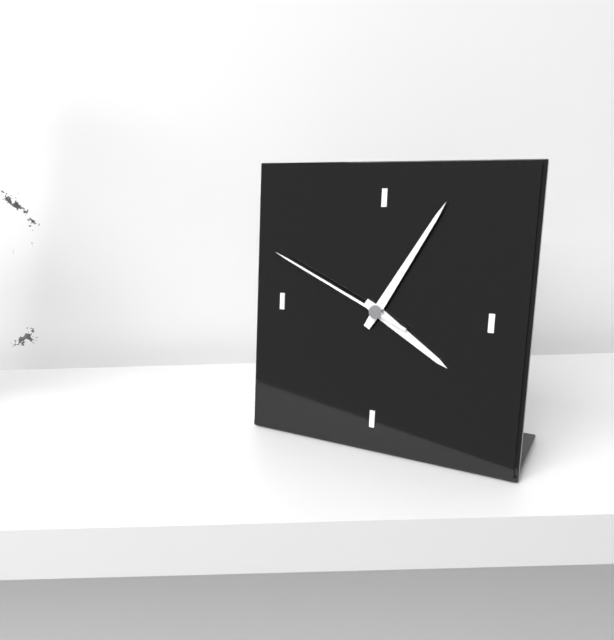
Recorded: 4h05m49s
